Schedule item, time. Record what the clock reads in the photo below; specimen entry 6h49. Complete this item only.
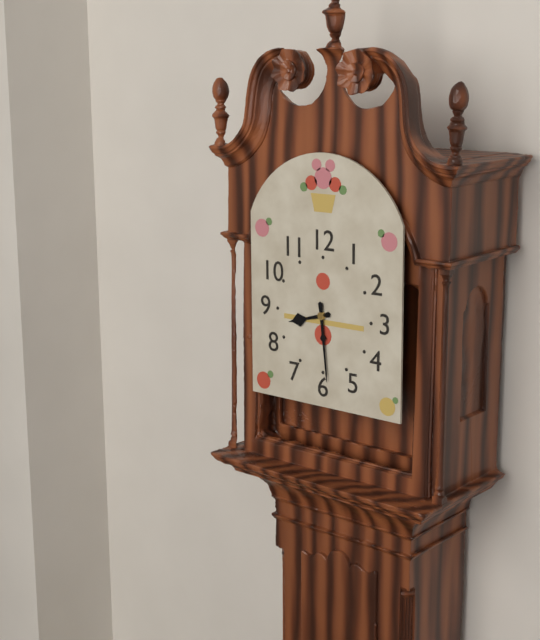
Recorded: 8h29
